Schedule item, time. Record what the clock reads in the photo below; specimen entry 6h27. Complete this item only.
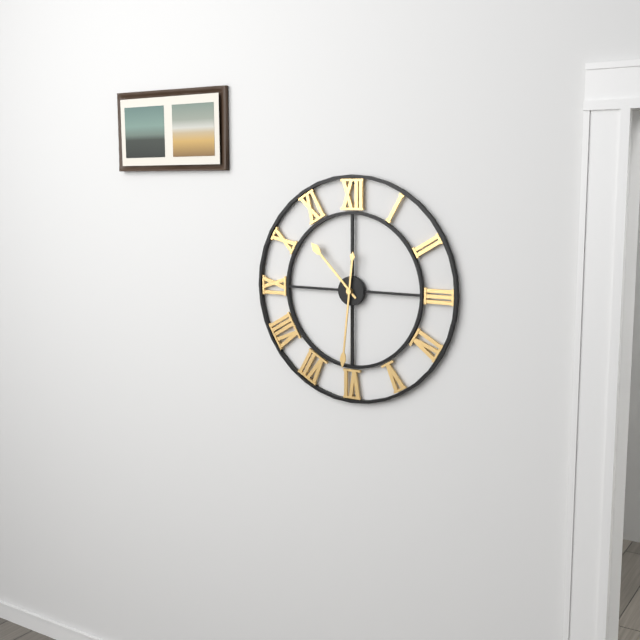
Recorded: 10h31
